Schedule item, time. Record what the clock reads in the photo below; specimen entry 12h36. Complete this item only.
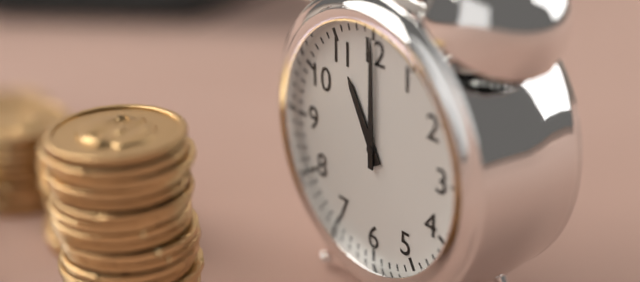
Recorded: 11h00
